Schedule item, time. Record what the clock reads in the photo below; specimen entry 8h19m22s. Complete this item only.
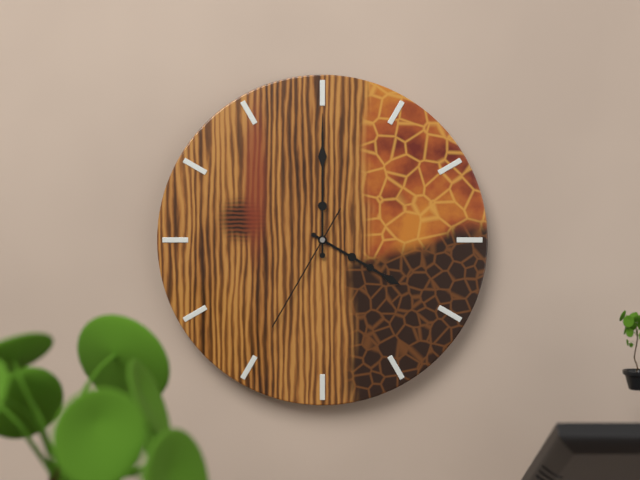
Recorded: 4h00m35s
